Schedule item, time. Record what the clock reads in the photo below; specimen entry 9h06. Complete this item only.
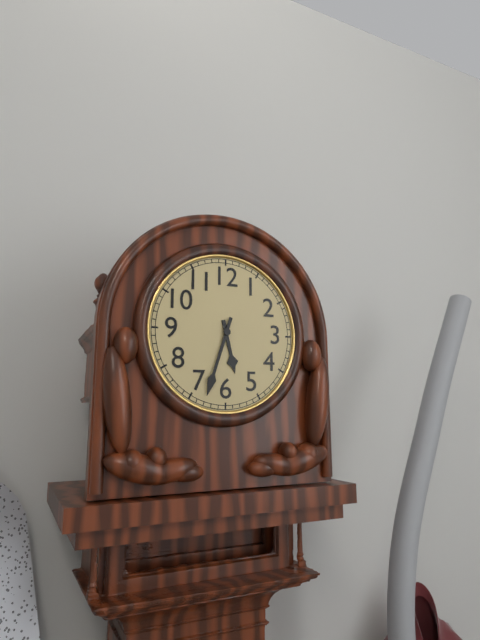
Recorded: 5h33
